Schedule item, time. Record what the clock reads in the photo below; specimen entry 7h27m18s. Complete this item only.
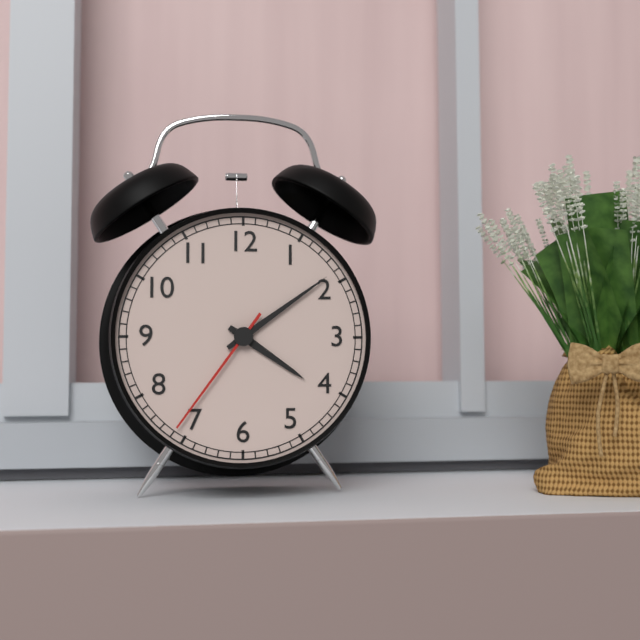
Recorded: 4h09m36s
